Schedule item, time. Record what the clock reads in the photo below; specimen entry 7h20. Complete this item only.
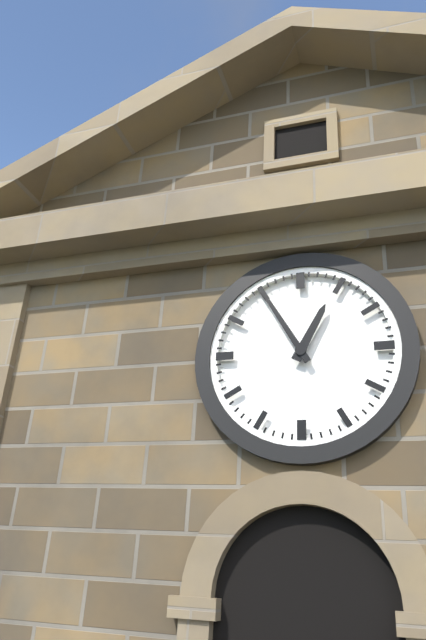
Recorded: 12h55
